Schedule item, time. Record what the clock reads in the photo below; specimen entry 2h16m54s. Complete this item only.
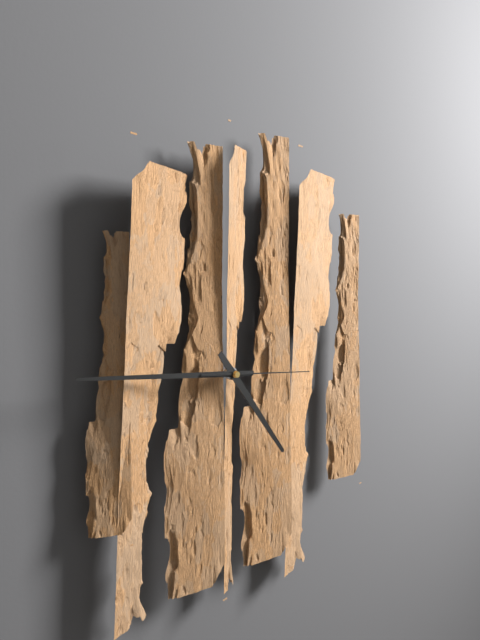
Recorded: 4h46m16s
